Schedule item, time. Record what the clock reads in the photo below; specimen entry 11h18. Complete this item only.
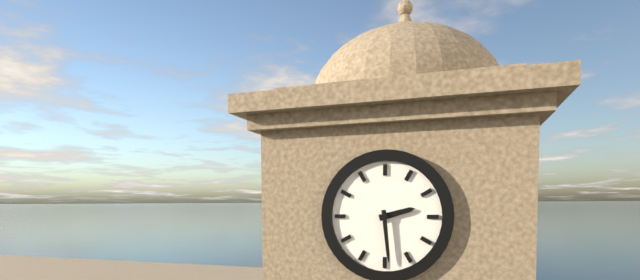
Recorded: 2h29
